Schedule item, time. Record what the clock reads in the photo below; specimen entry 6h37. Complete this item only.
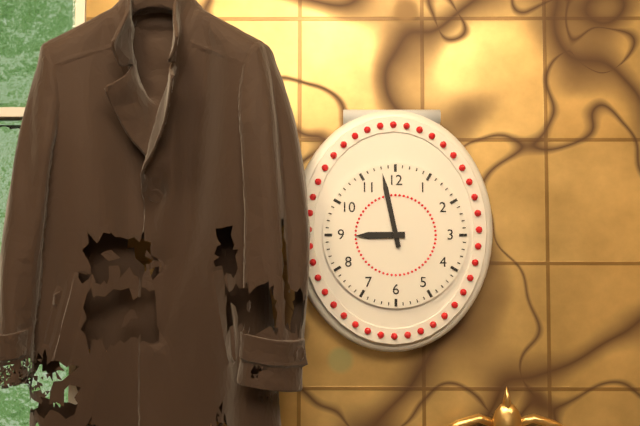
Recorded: 8h58
